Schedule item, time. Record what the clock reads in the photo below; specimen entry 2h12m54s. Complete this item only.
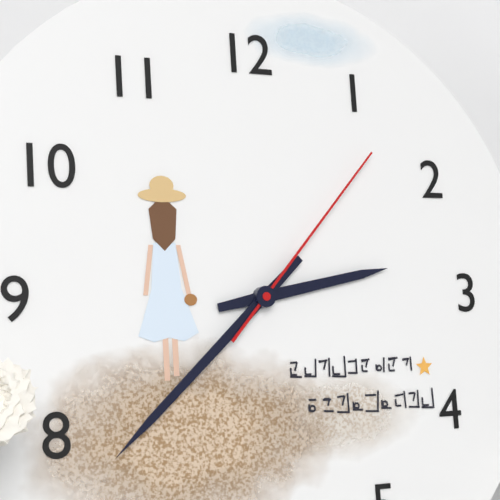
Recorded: 2h38m07s
